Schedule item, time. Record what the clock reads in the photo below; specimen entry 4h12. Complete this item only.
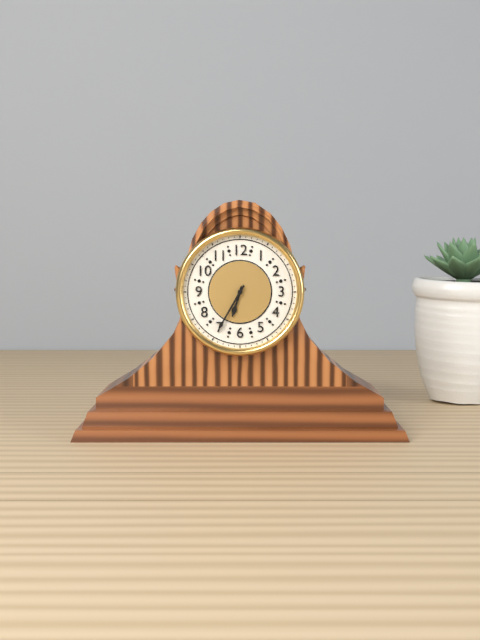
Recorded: 6h35
